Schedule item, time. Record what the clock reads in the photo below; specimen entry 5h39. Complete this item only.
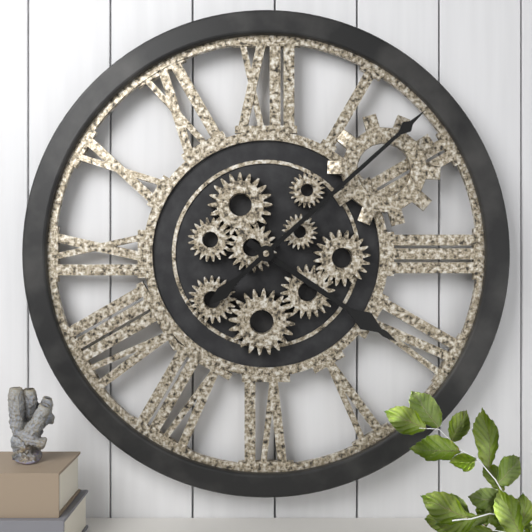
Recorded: 4h08
